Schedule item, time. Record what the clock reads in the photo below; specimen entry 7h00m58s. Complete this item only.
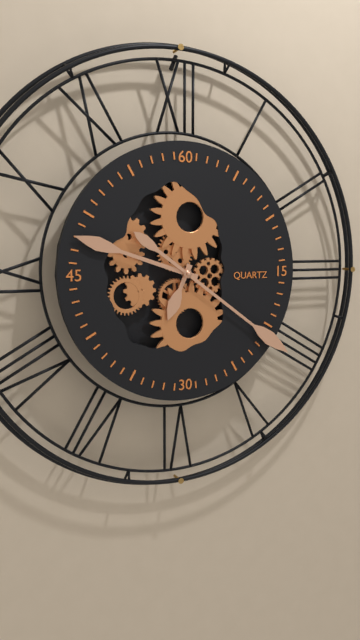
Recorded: 6h48m21s
